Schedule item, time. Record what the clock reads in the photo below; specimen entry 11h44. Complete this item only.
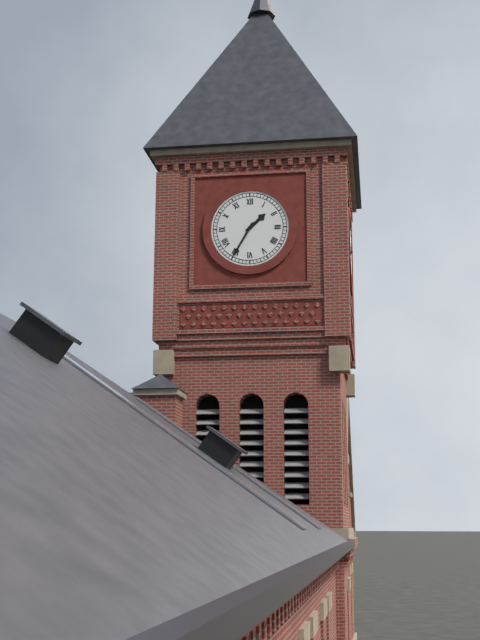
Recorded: 1h35
